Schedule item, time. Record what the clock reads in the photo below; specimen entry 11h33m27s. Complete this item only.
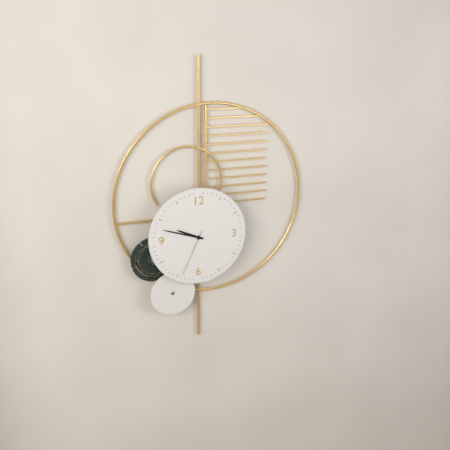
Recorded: 9h48m34s
